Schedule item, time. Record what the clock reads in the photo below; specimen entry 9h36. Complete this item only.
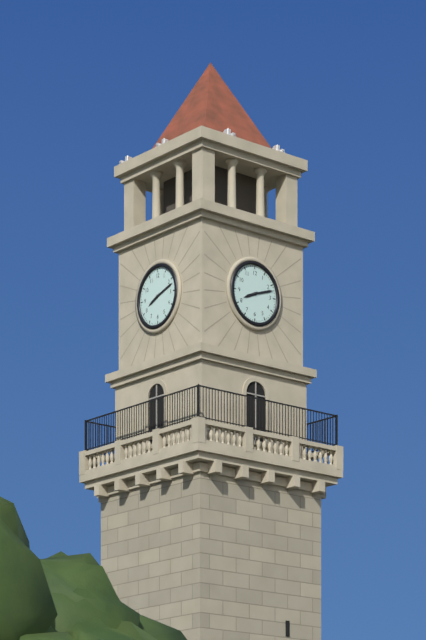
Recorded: 8h12
